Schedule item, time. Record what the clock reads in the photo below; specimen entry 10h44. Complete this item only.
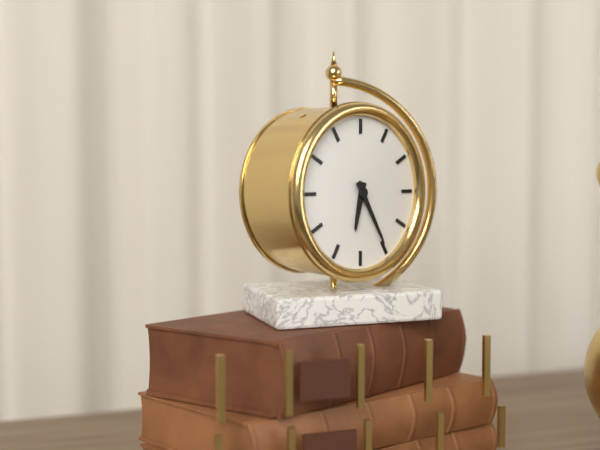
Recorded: 6h25
